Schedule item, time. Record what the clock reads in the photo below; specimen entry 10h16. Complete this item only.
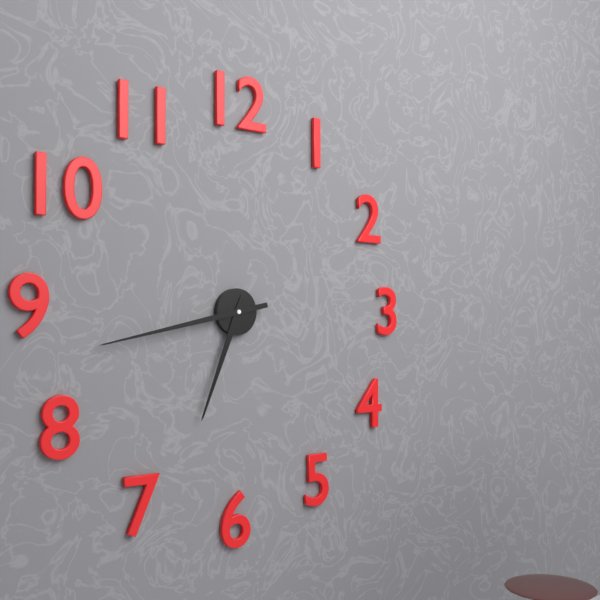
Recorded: 6h43
